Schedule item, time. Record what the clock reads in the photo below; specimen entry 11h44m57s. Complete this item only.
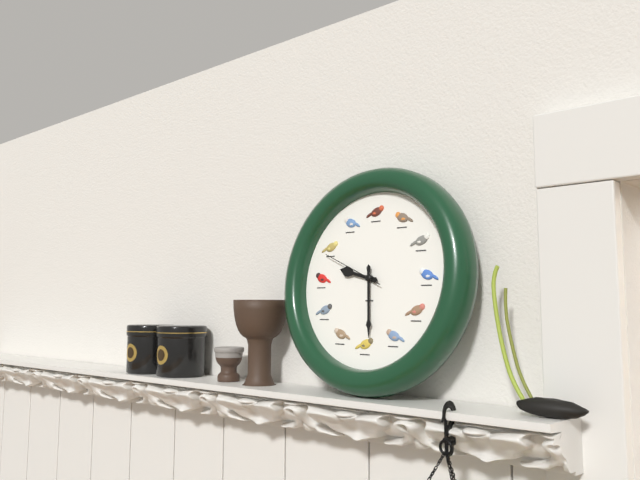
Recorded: 9h29m49s
